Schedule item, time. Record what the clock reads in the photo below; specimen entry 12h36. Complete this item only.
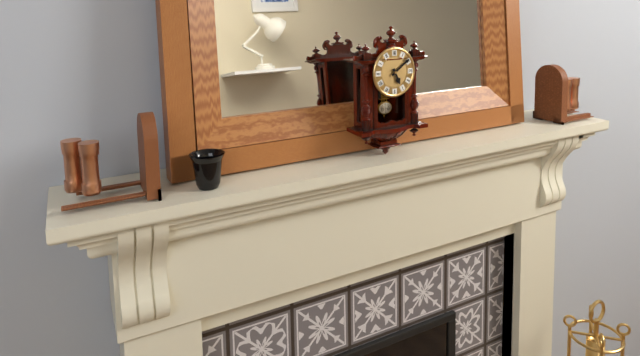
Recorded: 5h09
